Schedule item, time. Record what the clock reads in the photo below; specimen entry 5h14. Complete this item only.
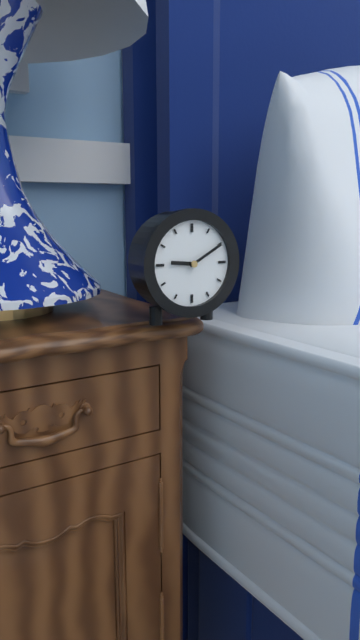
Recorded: 9h10
